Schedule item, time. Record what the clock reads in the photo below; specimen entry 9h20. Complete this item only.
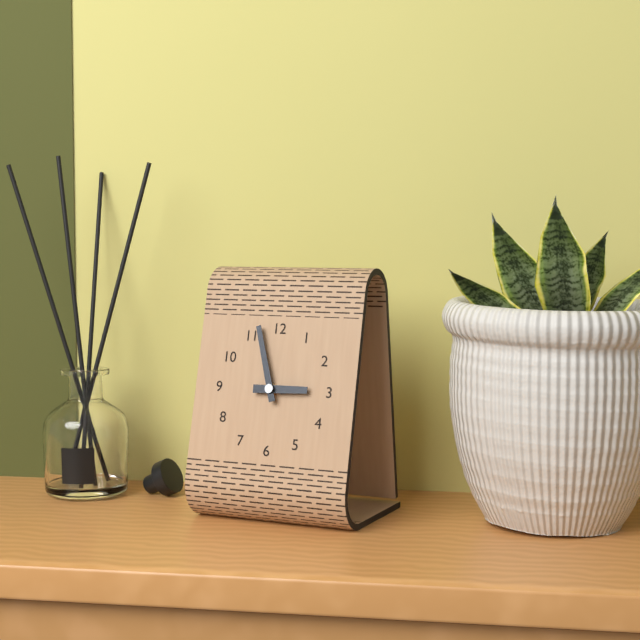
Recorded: 2h57
